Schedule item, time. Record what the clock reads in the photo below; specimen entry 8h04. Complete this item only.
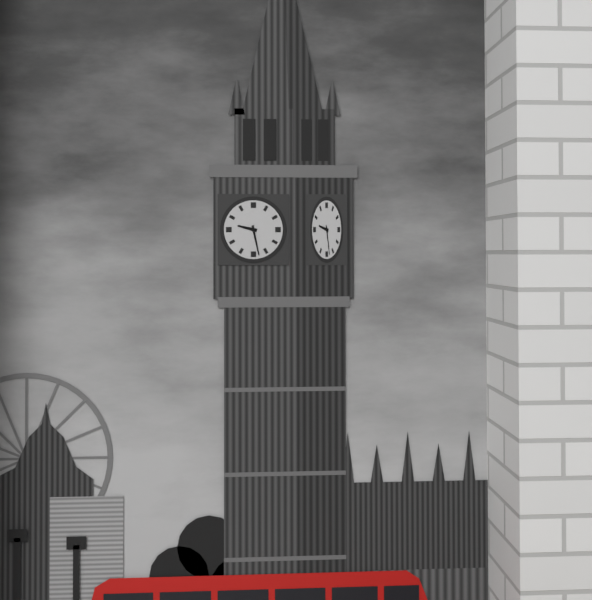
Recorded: 9h28
